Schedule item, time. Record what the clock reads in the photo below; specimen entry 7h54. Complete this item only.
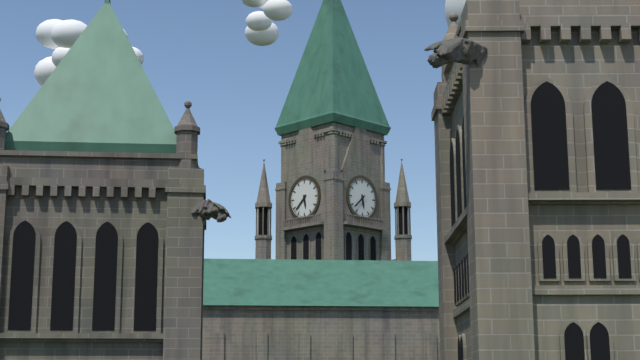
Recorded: 5h38
